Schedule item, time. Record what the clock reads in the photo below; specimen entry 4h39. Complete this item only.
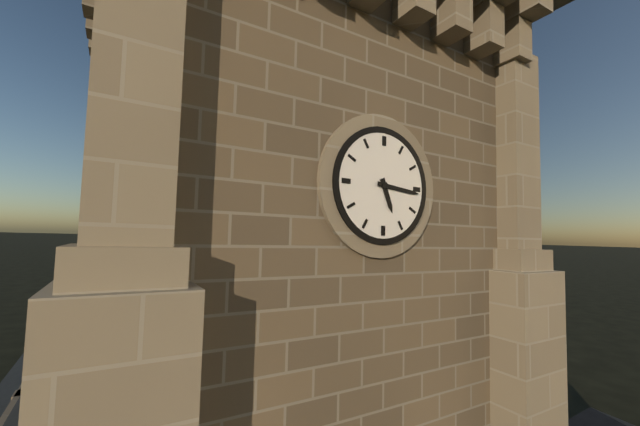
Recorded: 5h16
